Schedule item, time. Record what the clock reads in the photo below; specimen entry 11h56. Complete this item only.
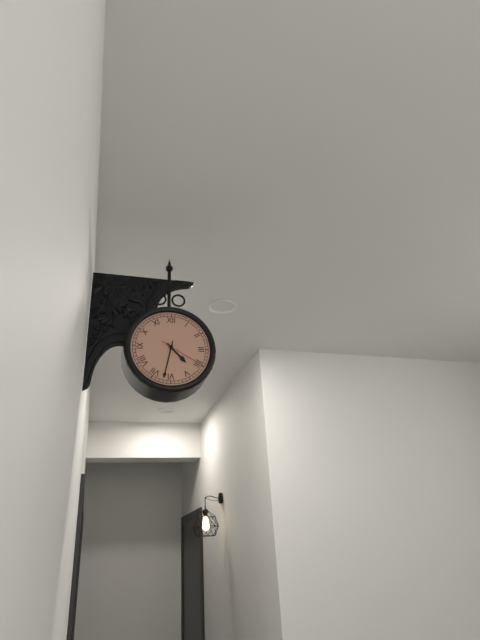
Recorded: 4h32
